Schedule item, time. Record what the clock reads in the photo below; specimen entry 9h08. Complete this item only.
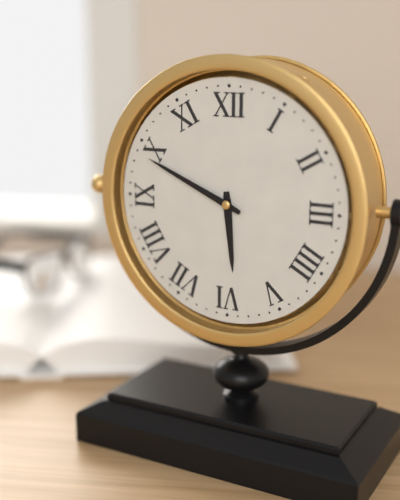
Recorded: 5h49
